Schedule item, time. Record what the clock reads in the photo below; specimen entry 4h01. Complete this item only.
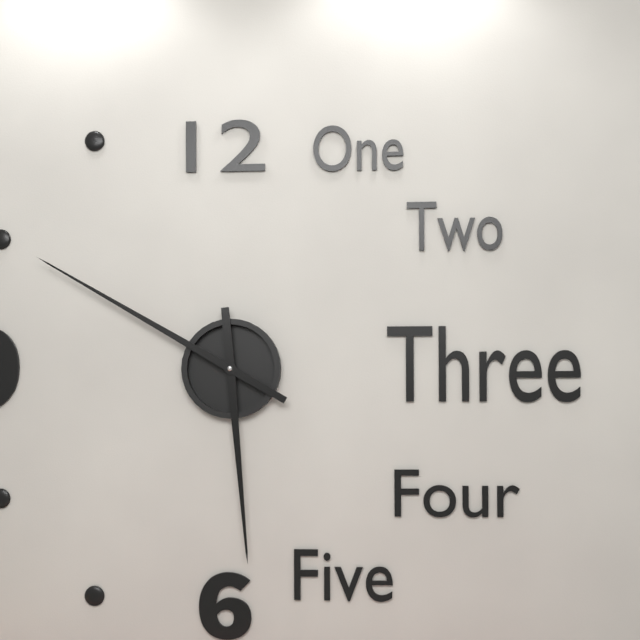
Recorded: 5h50
